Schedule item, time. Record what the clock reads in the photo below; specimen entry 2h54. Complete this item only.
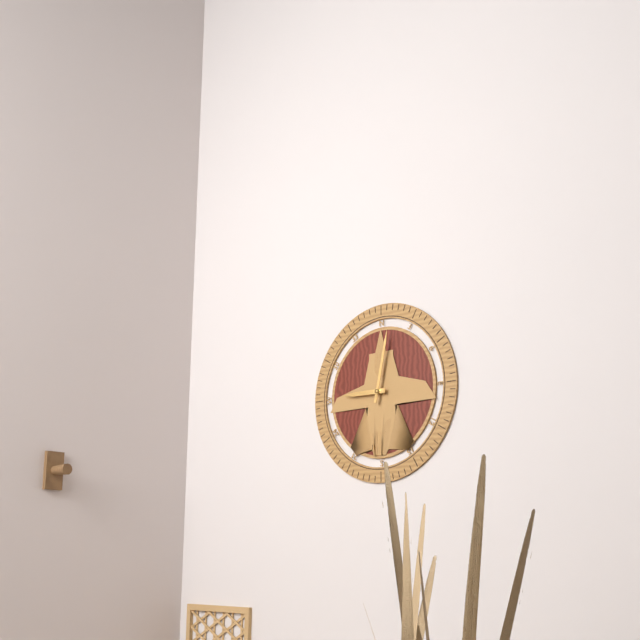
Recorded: 9h02
